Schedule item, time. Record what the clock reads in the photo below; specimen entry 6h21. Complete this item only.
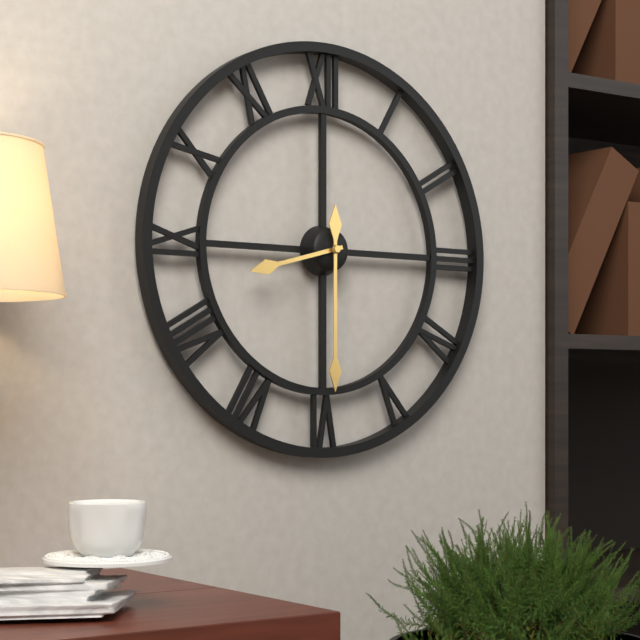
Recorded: 8h30
